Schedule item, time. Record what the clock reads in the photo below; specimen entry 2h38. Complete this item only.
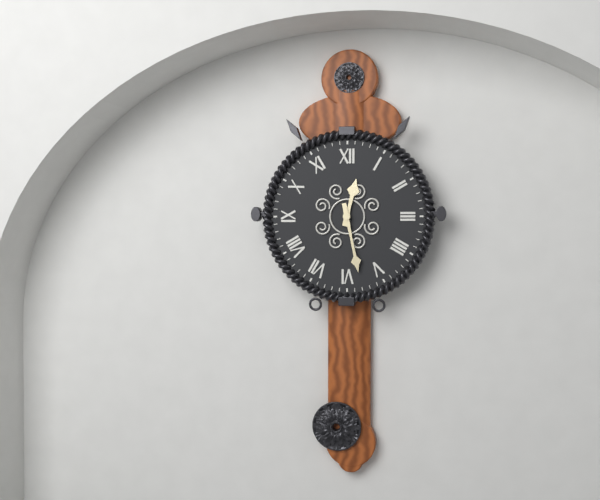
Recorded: 12h28
